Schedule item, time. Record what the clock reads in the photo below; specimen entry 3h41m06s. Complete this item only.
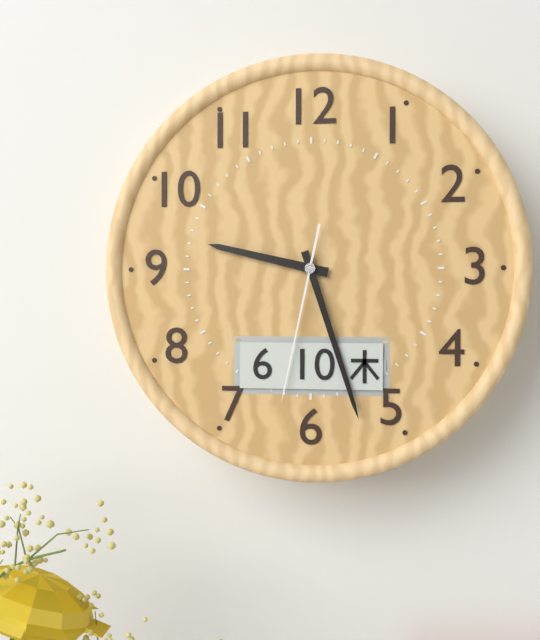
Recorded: 9h27m32s
